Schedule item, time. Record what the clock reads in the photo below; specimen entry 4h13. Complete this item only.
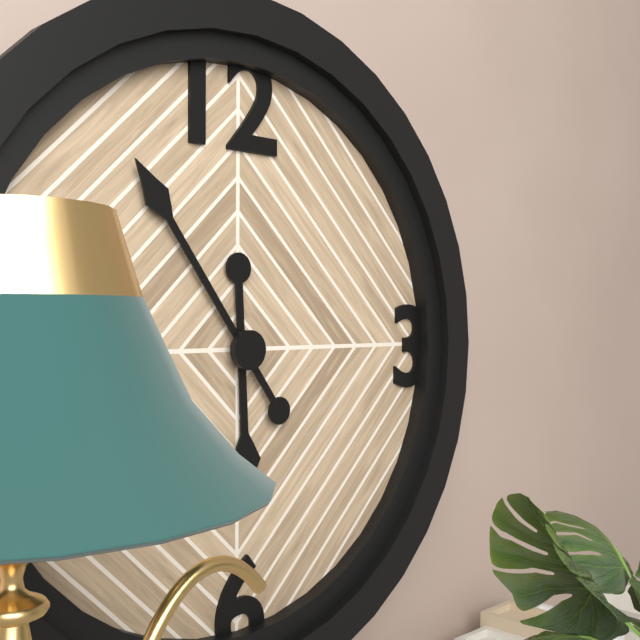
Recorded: 5h54
